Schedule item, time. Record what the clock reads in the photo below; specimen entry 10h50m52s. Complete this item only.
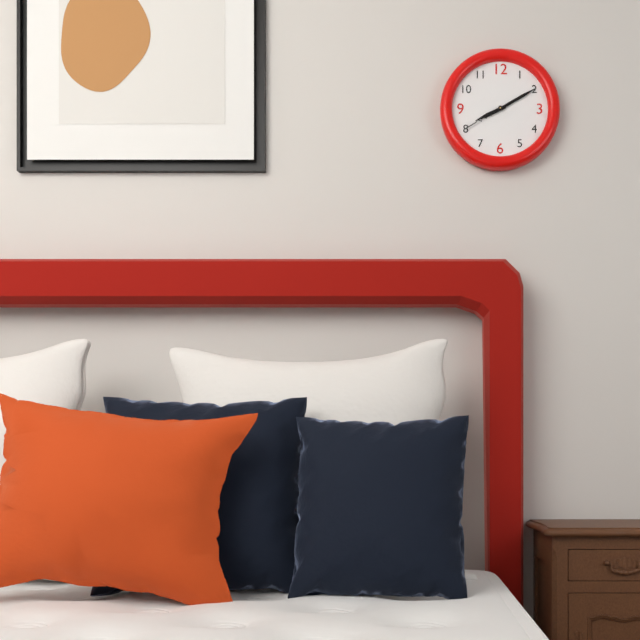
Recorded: 8h10m40s
